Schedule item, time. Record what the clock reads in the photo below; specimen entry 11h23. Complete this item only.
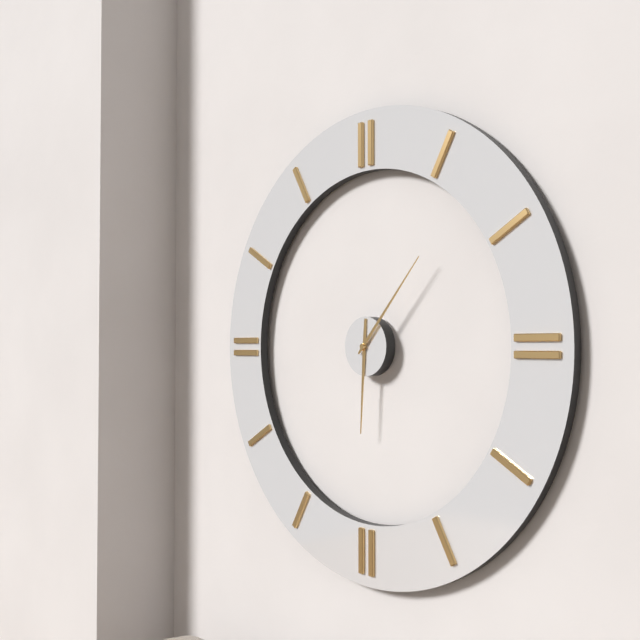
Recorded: 6h07
